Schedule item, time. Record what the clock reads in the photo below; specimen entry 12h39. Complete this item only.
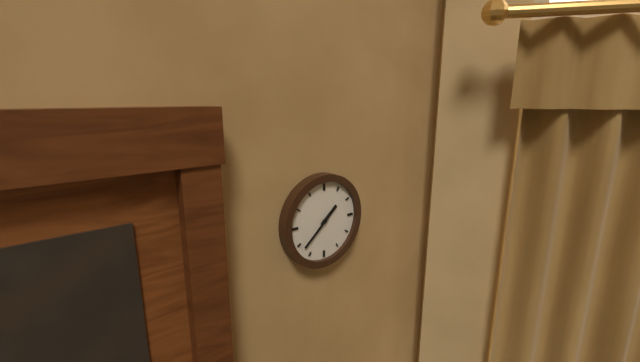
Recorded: 1h38
